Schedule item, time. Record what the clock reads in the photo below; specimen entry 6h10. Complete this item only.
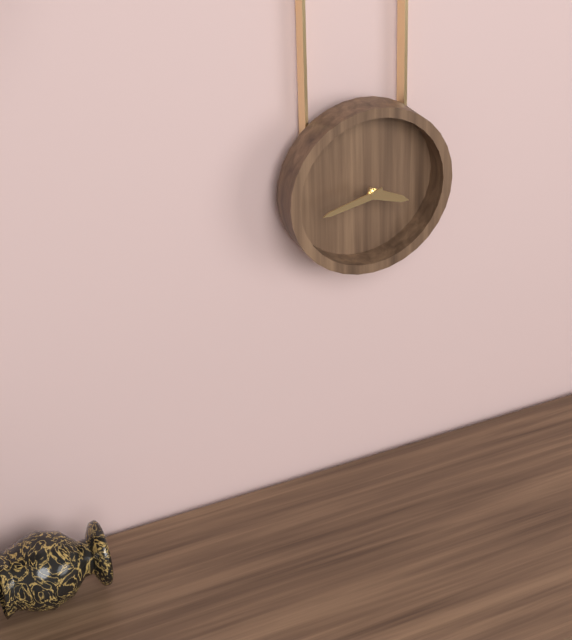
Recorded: 3h43
